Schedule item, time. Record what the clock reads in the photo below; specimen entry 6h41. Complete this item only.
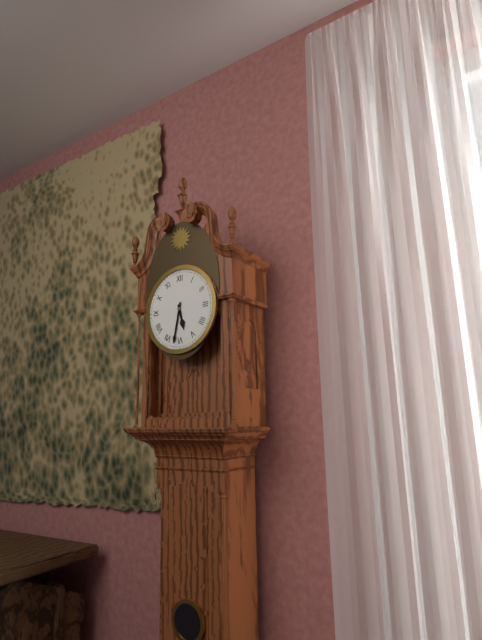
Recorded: 5h32
